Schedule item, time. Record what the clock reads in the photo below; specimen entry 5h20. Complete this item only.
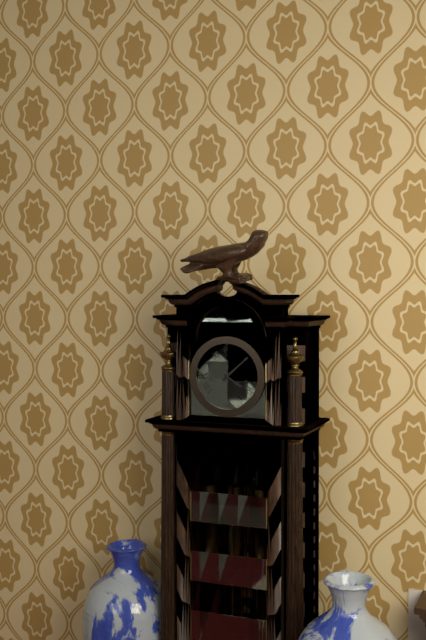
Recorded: 4h08
